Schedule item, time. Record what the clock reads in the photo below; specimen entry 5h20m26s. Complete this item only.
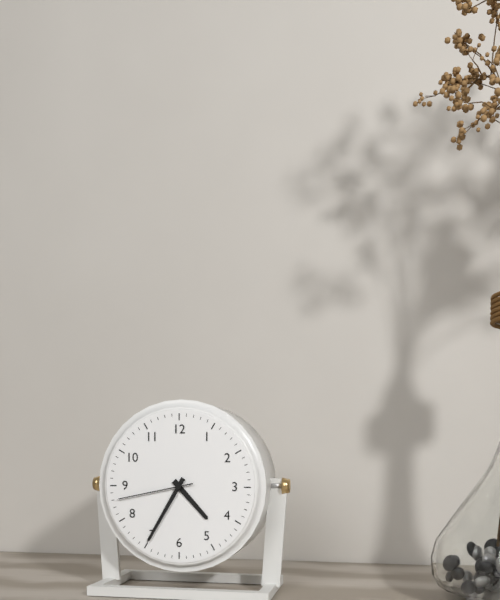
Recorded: 4h35m43s
